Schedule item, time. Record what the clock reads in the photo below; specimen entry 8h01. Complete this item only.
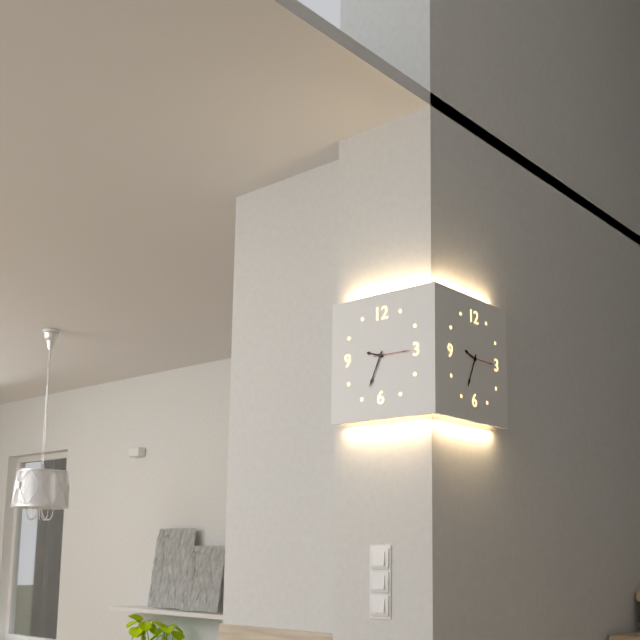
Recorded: 9h34
